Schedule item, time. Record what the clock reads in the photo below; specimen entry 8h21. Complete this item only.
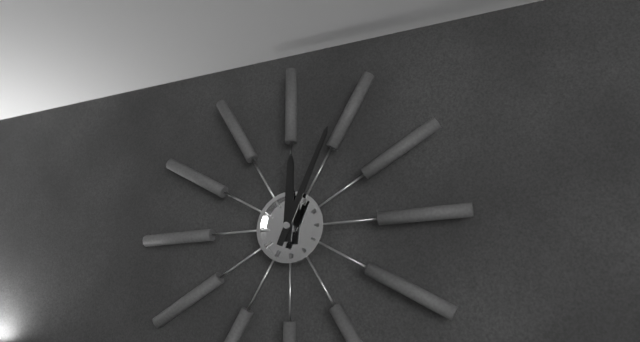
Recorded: 12h04
